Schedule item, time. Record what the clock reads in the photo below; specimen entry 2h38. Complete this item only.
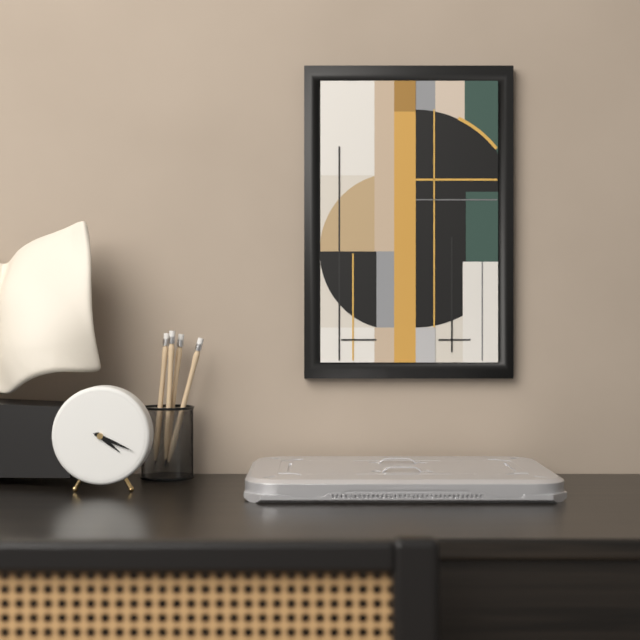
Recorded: 4h19
